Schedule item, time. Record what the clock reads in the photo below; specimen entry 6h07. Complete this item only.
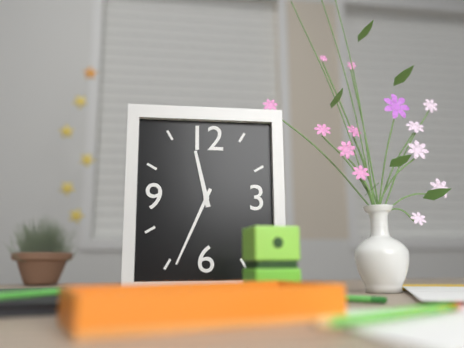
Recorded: 11h34
